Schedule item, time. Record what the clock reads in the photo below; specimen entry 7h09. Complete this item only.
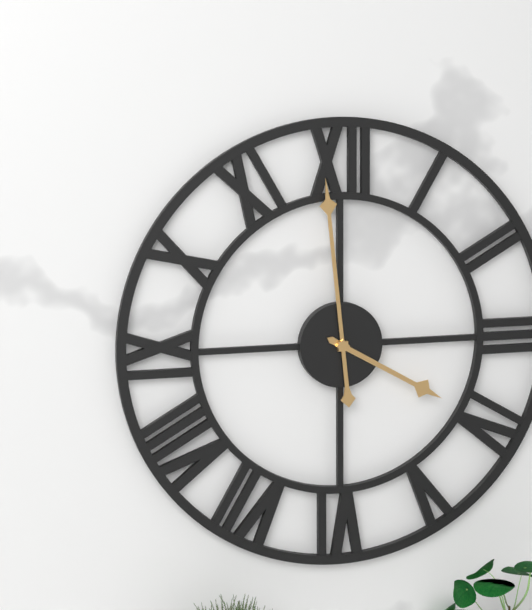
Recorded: 3h59
